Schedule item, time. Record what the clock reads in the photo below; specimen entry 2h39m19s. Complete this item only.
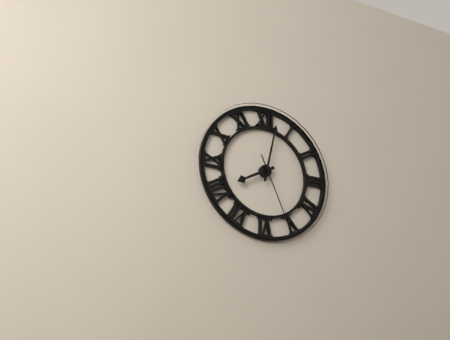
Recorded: 8h02m26s
